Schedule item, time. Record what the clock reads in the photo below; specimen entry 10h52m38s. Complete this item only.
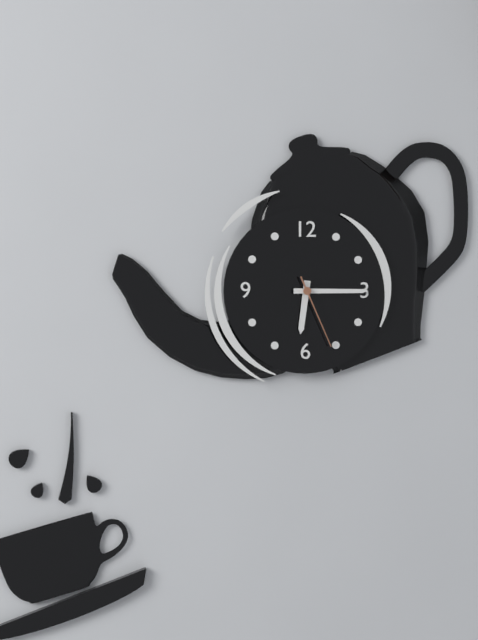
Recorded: 6h15m26s
